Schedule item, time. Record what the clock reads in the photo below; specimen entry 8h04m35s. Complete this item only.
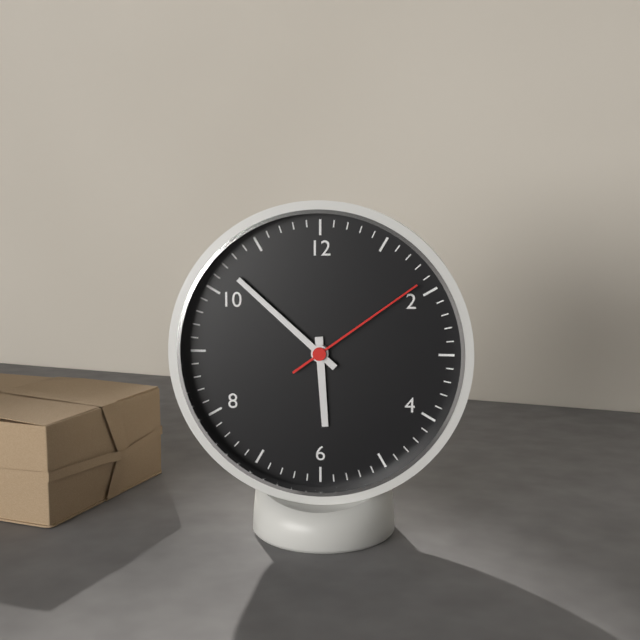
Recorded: 5h52m09s
